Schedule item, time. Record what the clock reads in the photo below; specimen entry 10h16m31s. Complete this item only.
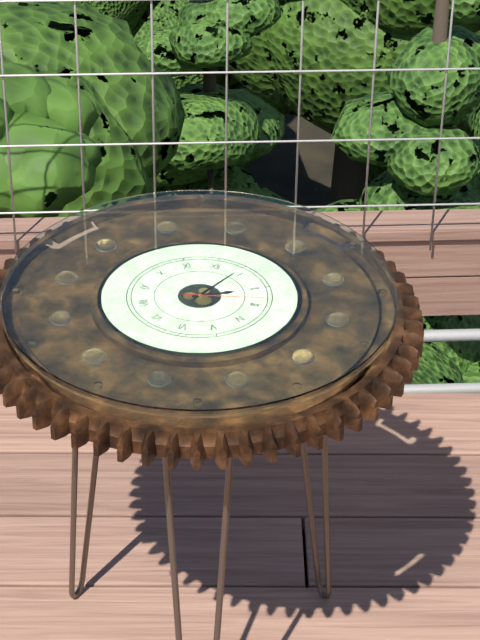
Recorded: 2h04m13s
